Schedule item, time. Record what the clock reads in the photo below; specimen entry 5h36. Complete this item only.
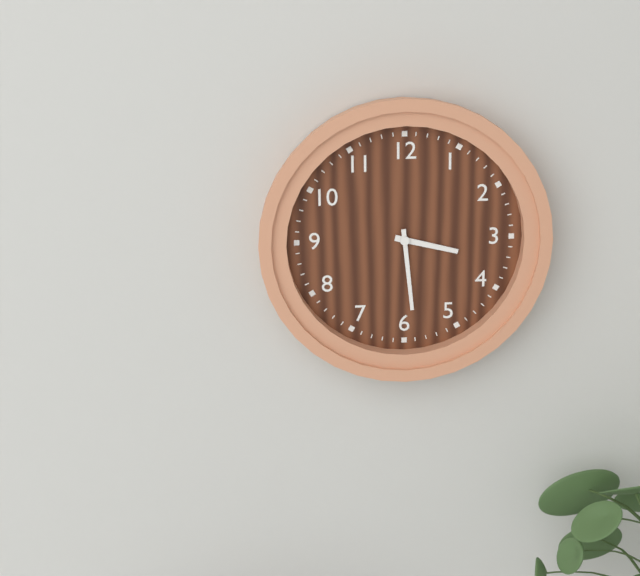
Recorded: 3h29
